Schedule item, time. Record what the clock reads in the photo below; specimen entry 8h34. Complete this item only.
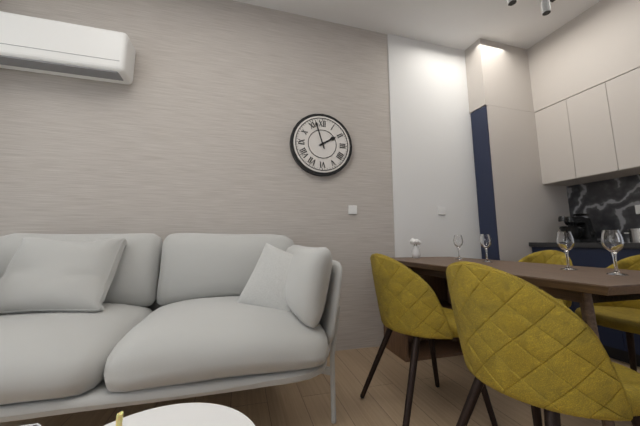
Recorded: 1h57
